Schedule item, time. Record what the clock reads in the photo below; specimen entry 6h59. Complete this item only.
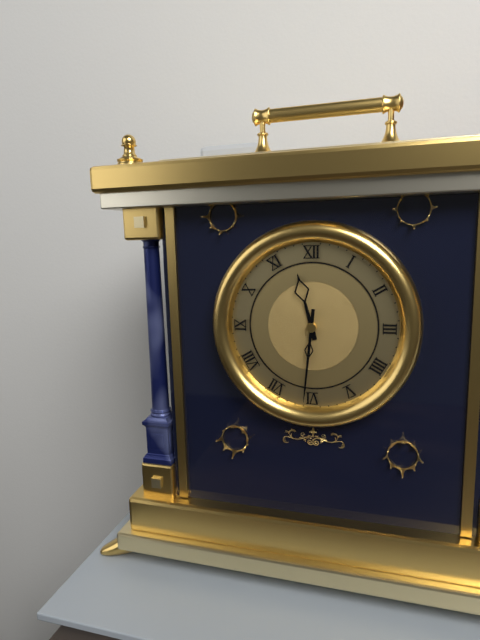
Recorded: 11h31
